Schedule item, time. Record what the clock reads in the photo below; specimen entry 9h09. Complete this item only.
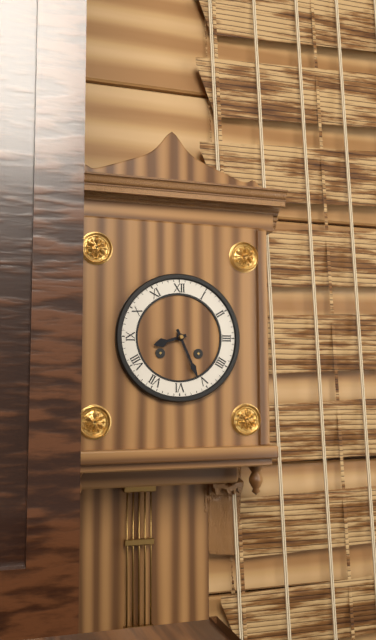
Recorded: 8h26
